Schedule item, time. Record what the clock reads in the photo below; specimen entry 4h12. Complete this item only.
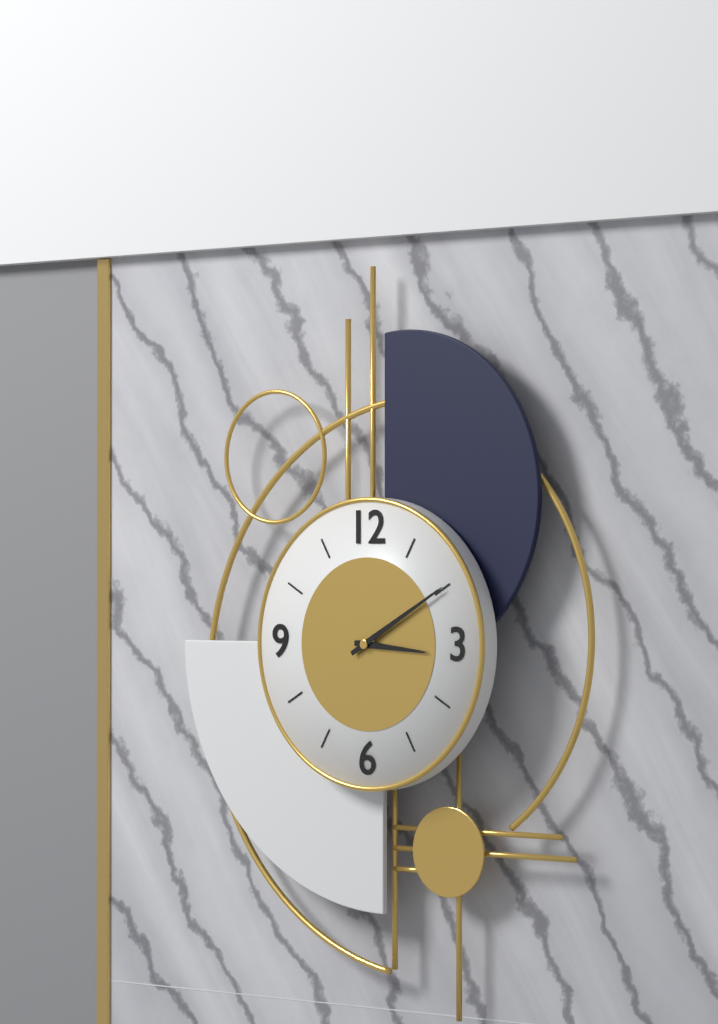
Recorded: 3h10
